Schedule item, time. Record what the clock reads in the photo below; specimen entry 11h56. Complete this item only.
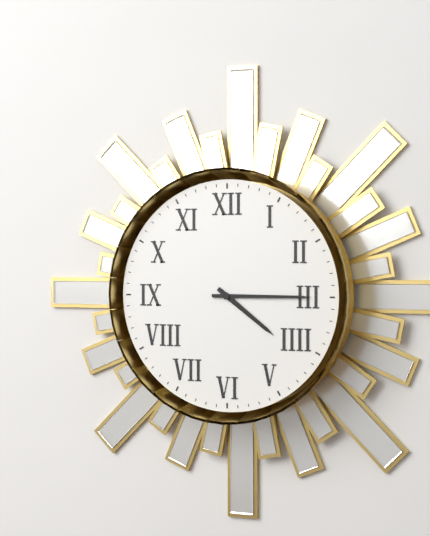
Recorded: 4h15
